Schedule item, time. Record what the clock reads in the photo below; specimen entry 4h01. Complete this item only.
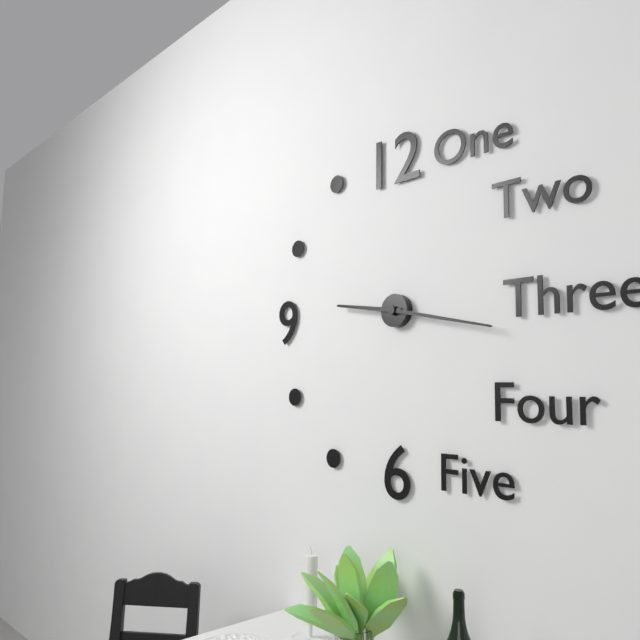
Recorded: 9h17
